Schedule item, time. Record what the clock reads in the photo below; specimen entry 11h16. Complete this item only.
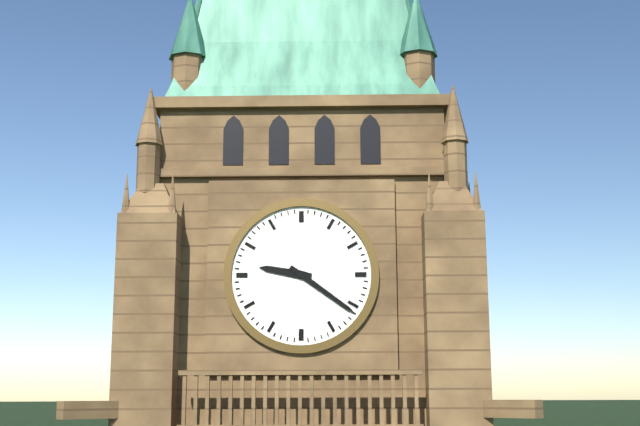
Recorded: 9h21
